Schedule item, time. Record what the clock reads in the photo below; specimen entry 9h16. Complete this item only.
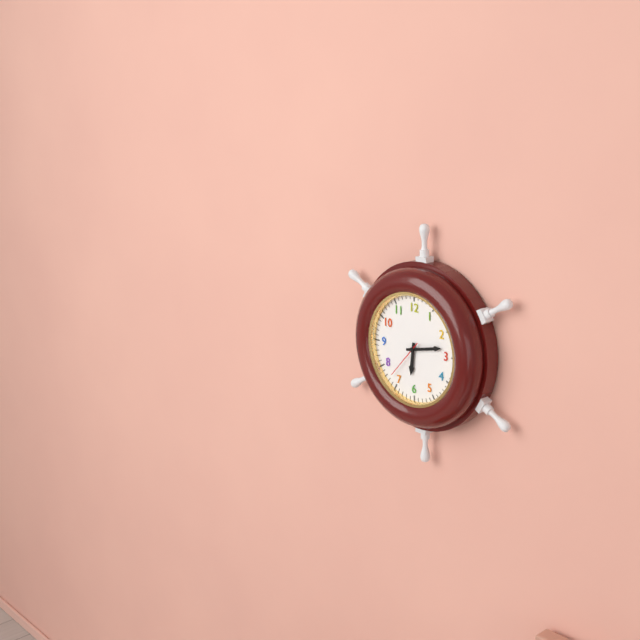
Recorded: 6h13
